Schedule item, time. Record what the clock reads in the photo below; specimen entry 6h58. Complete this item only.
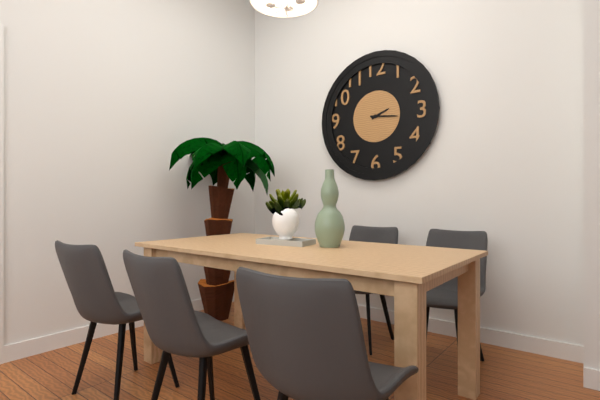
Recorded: 2h16
